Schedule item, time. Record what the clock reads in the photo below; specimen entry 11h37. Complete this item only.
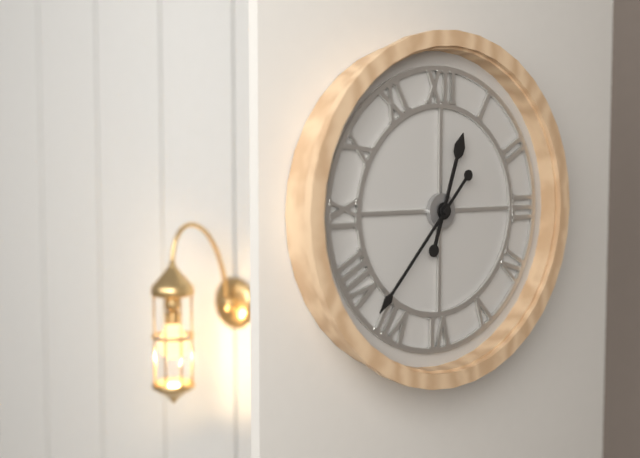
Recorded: 12h37
